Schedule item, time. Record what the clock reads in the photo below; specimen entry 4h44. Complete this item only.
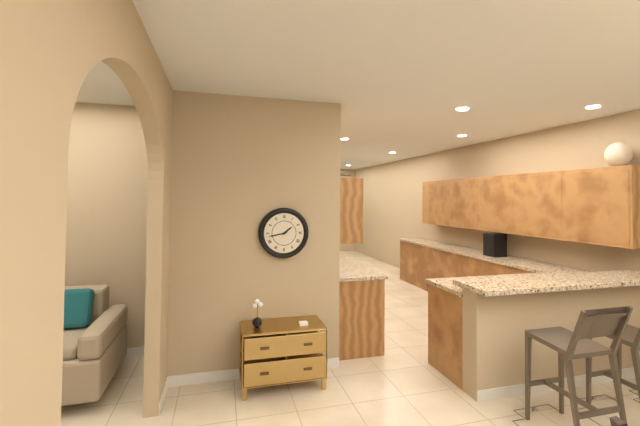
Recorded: 1h43
